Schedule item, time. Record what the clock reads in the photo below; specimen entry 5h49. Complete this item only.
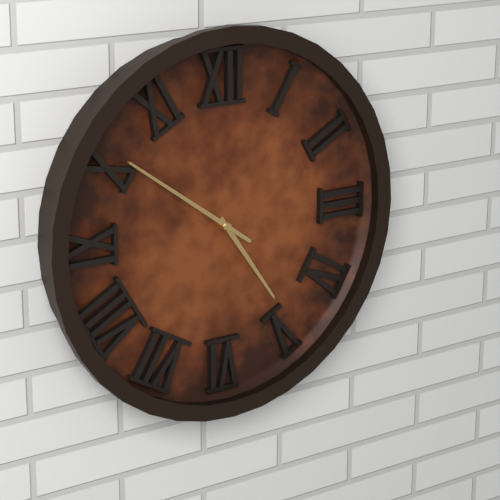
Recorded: 4h51
